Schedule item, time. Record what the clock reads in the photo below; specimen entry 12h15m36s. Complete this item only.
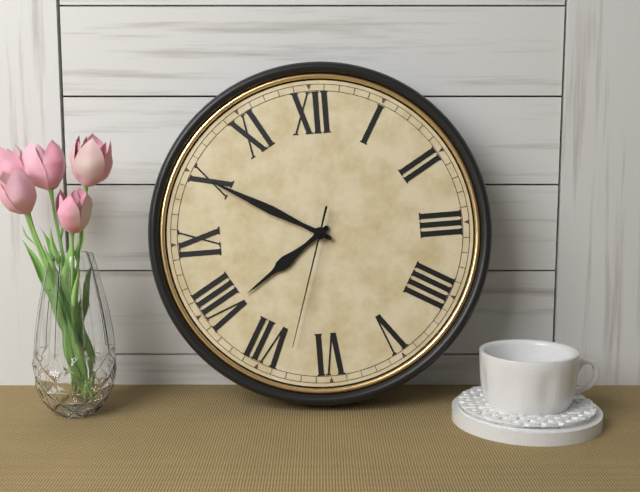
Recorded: 7h50m33s
